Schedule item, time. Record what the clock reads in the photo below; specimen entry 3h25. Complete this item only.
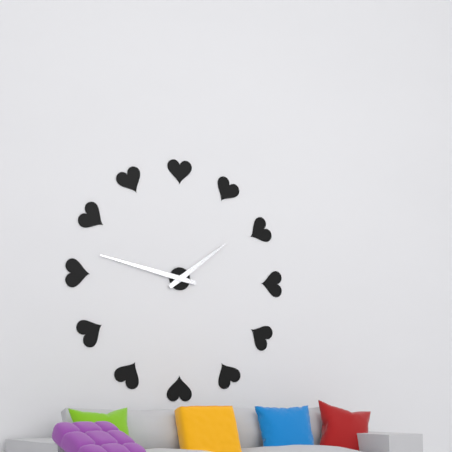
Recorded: 1h47
